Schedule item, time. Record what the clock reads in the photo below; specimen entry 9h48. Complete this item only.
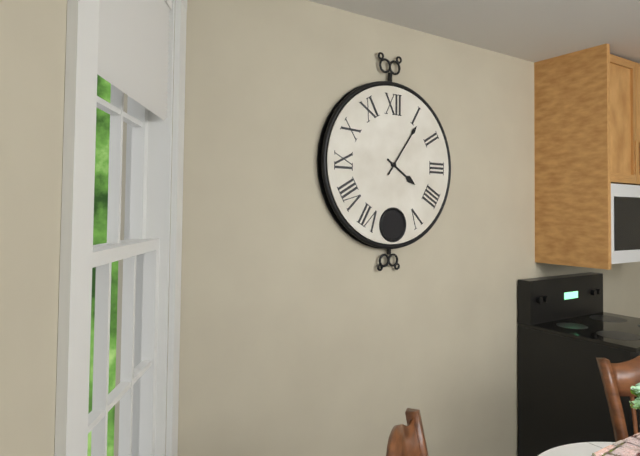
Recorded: 4h06
